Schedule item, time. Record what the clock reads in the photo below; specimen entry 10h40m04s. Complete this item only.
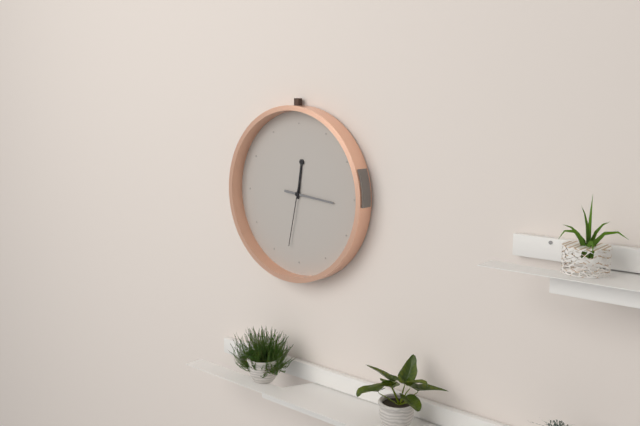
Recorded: 12h16m32s
